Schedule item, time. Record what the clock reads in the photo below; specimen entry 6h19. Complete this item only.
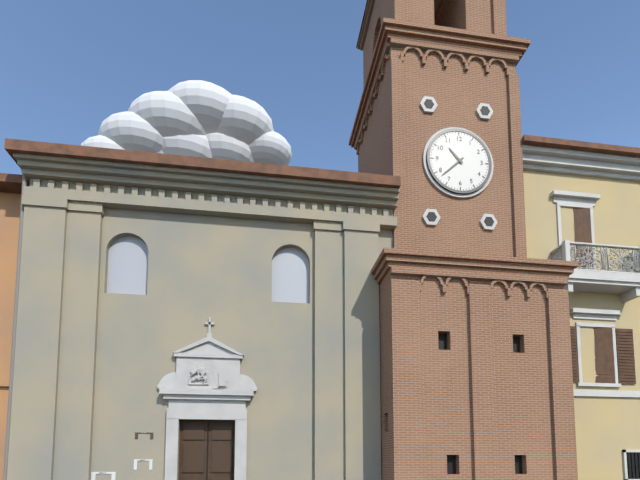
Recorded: 10h38
